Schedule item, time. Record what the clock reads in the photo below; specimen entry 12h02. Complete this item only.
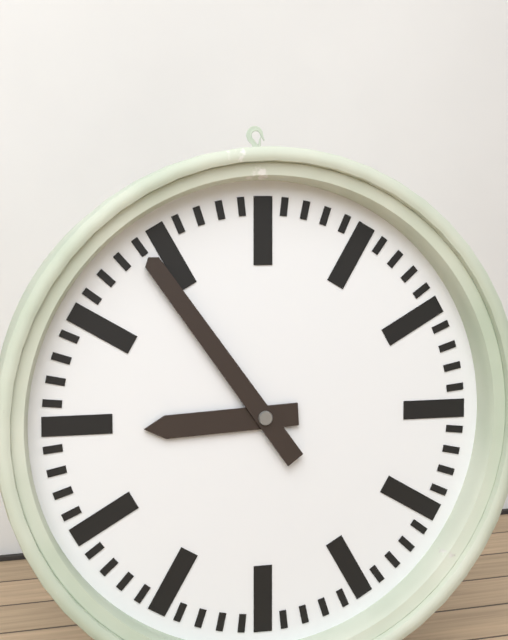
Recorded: 8h54
